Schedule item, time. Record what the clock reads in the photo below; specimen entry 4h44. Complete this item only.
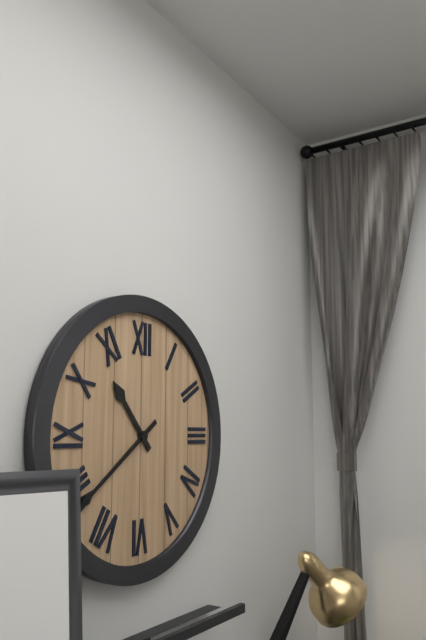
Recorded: 10h39
